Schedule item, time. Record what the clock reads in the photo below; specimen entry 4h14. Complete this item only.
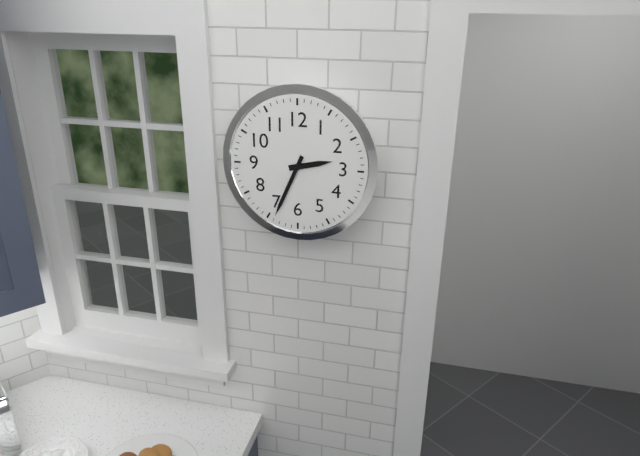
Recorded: 2h34
